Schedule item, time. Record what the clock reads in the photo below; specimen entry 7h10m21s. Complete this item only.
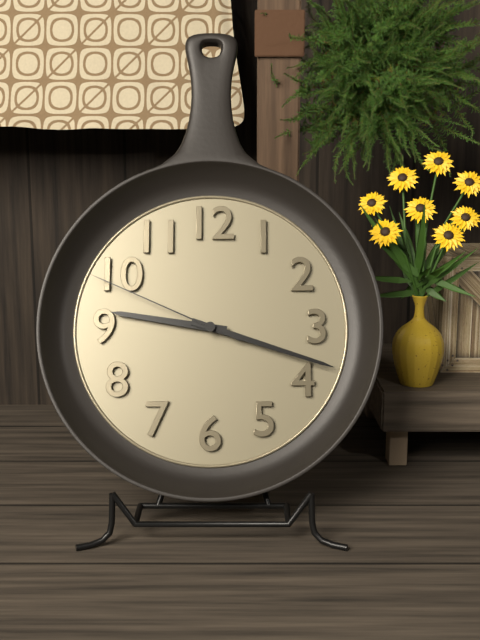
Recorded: 9h18m49s
